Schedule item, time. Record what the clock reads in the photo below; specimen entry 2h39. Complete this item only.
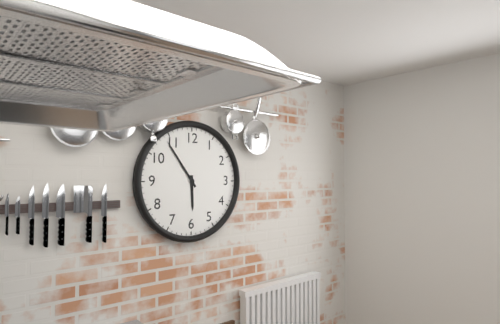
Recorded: 5h54
